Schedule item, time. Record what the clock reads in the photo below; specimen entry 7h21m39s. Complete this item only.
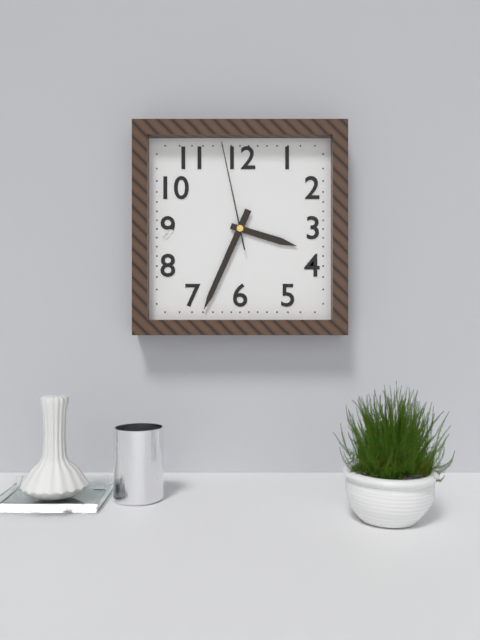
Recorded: 3h34m58s
